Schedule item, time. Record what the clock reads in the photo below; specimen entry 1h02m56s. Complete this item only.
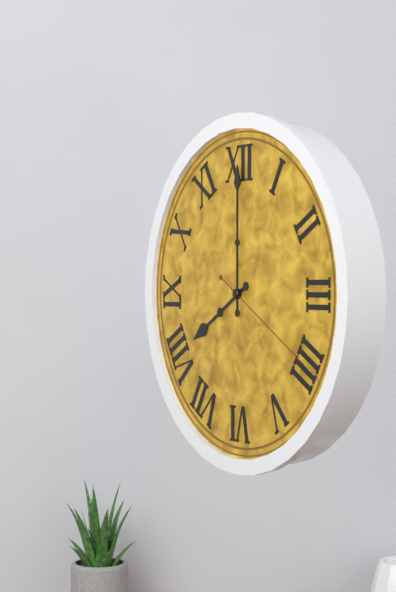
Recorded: 8h00m20s
